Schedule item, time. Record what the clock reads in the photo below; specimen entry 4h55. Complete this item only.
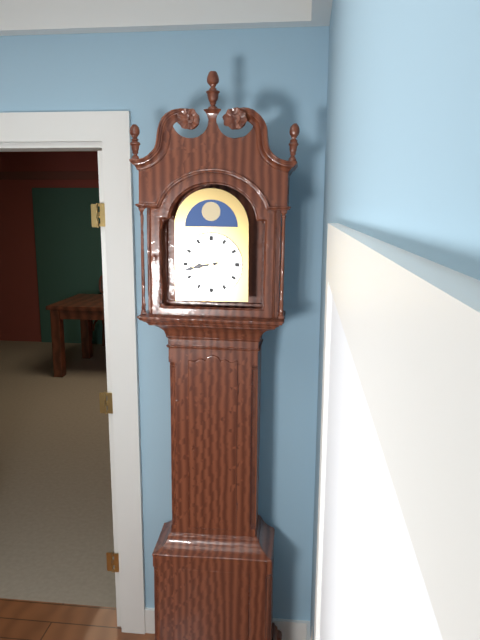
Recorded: 8h43
